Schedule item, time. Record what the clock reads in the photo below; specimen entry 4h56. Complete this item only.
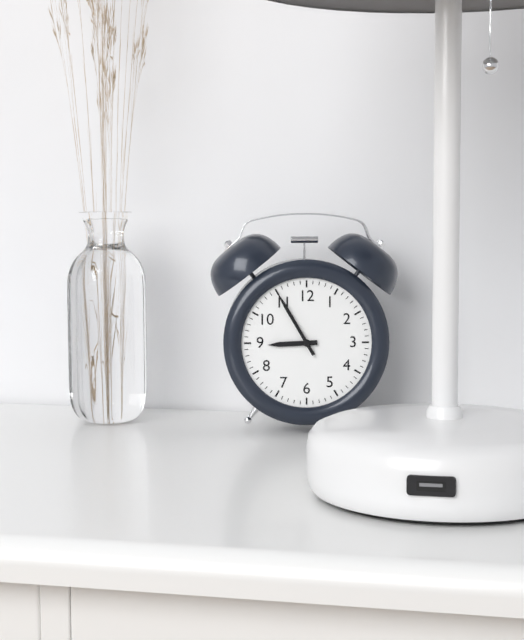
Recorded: 8h55
